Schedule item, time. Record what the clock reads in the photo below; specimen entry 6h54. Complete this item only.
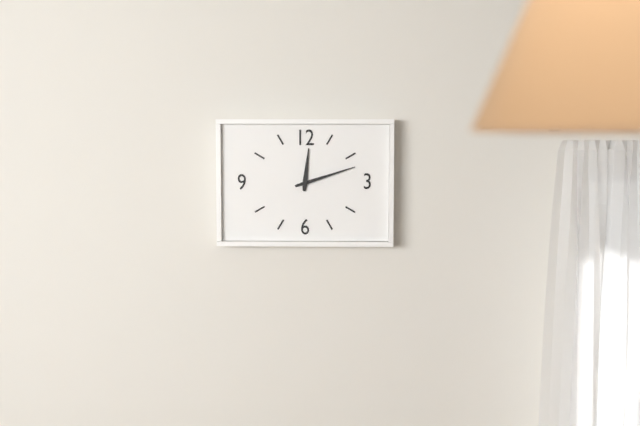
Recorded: 12h12
